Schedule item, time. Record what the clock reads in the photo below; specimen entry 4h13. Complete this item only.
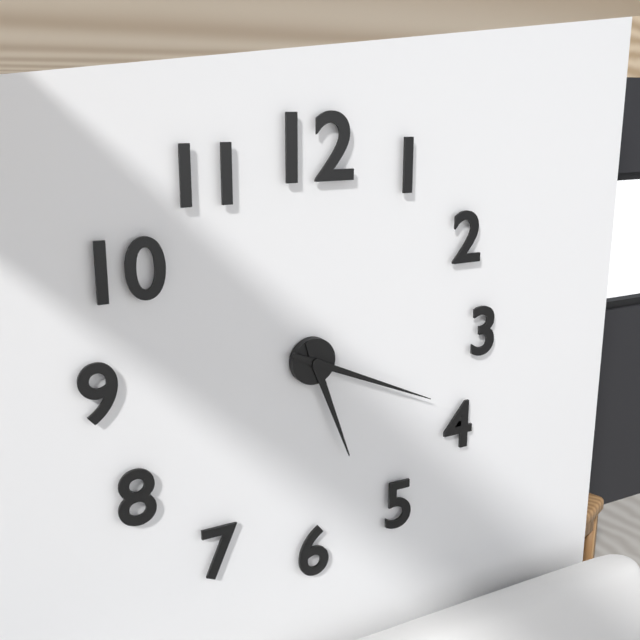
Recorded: 5h19
